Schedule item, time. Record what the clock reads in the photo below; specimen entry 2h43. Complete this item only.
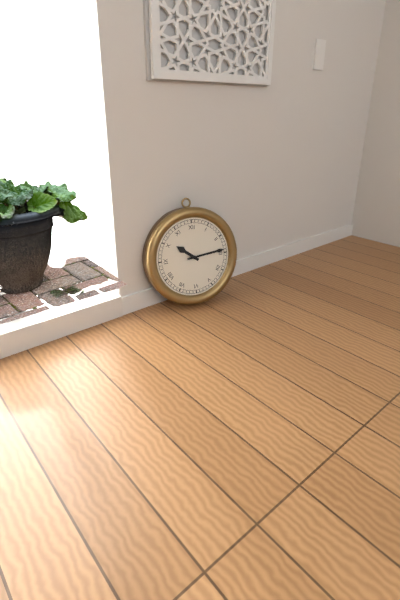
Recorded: 10h14
